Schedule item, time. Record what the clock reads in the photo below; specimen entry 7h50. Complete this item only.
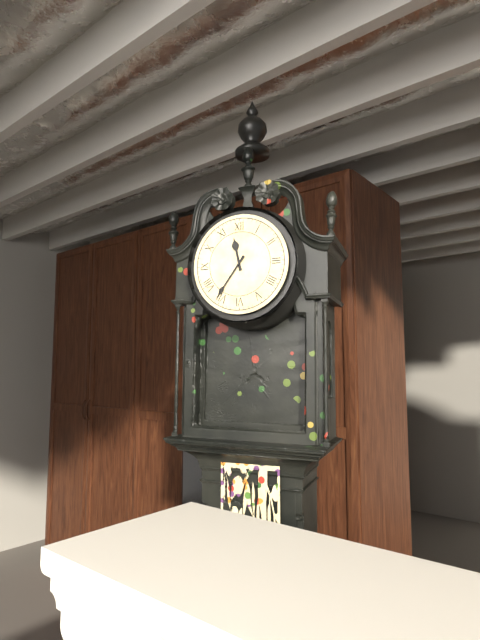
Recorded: 11h36
